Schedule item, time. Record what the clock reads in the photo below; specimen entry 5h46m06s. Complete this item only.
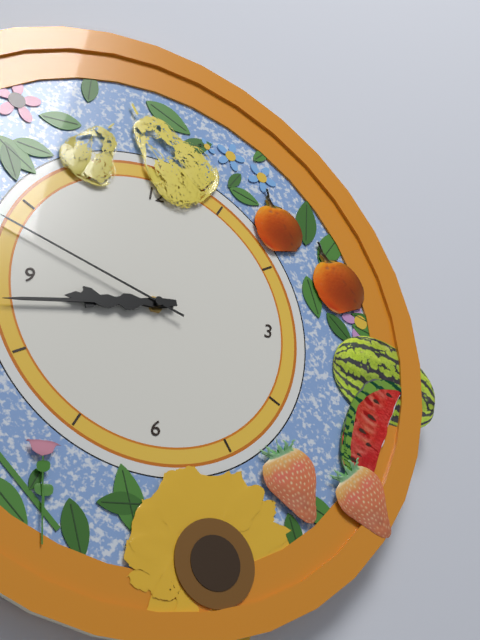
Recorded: 8h43m48s
